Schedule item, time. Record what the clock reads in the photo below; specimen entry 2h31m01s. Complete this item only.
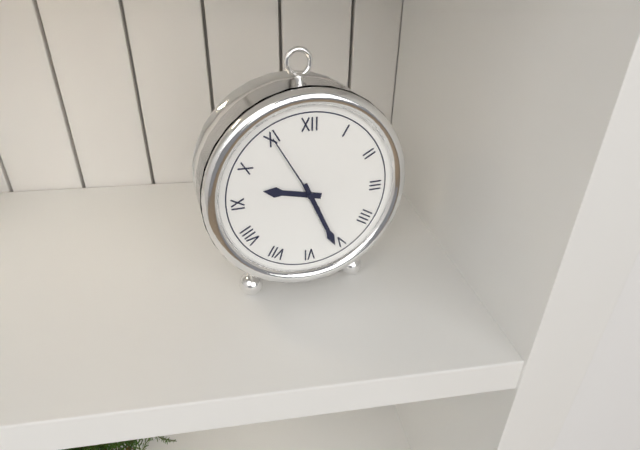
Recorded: 9h26m55s
